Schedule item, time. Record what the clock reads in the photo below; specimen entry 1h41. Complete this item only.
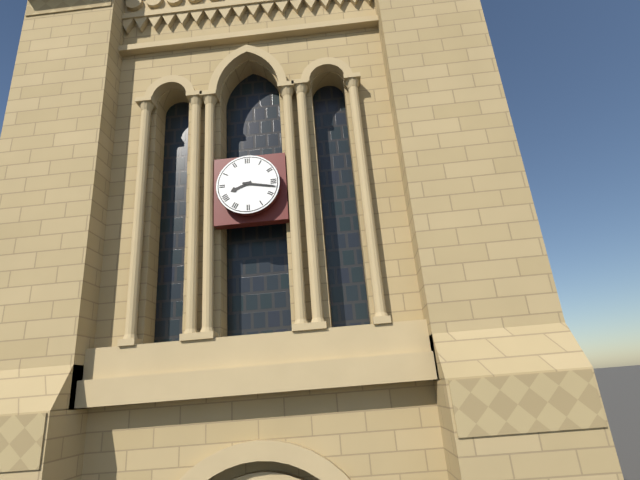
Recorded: 8h17
